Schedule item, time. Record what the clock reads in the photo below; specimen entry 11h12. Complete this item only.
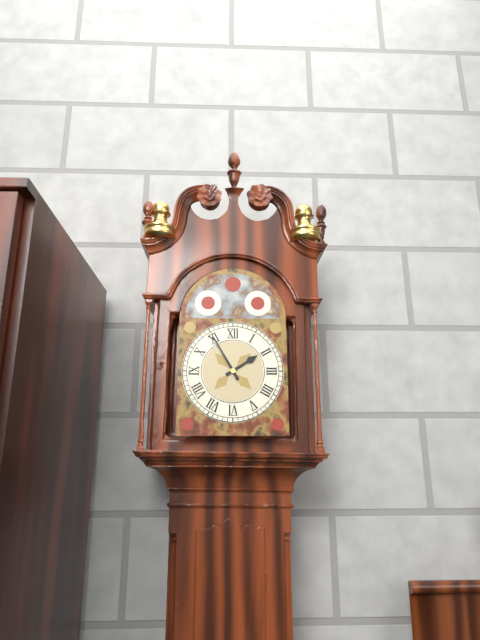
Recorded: 1h55
